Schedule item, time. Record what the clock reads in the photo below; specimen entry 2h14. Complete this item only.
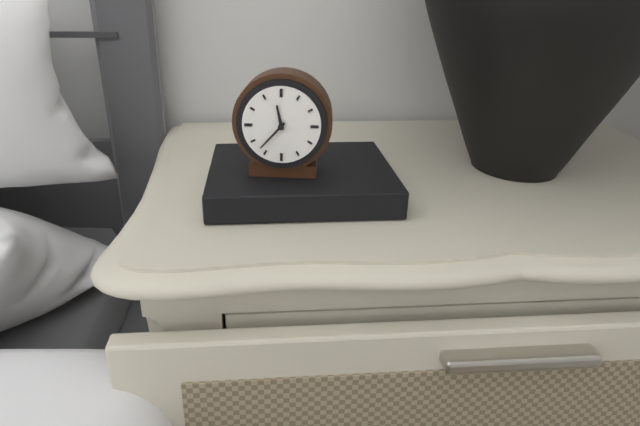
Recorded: 11h37
